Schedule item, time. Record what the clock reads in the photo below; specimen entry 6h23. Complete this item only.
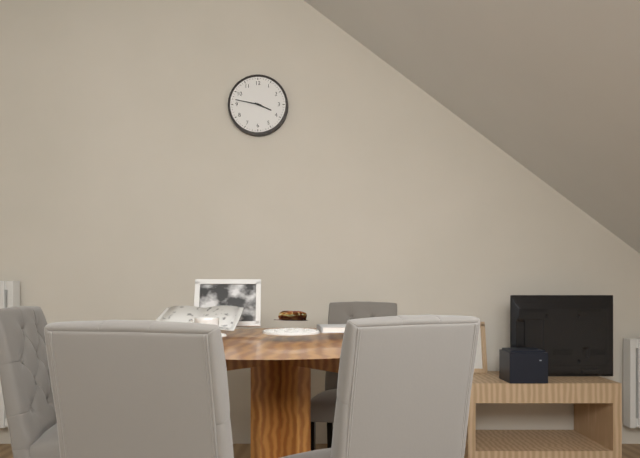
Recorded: 3h47
